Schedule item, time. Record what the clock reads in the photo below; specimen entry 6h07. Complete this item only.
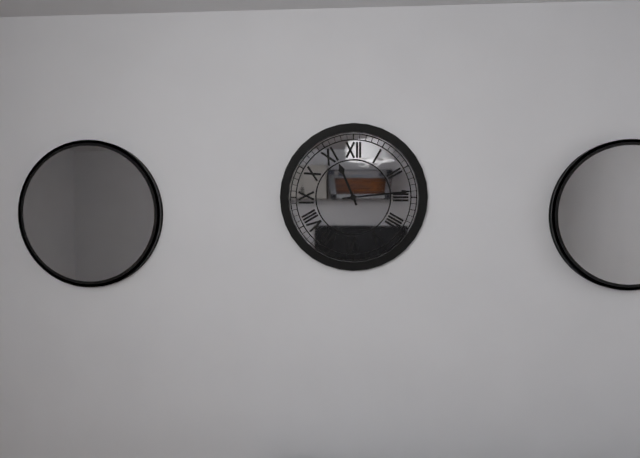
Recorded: 11h14
